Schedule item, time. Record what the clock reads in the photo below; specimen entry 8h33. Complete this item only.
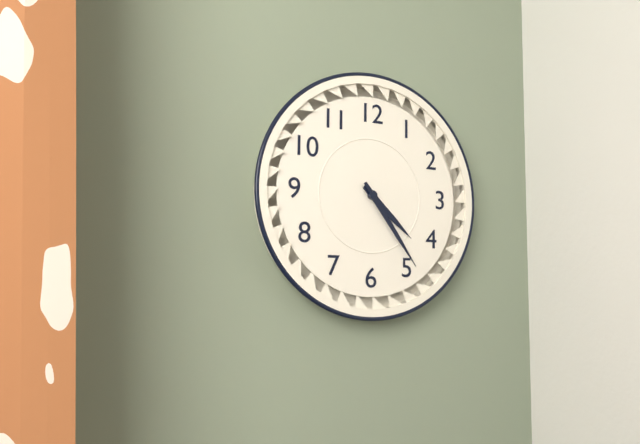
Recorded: 4h24
